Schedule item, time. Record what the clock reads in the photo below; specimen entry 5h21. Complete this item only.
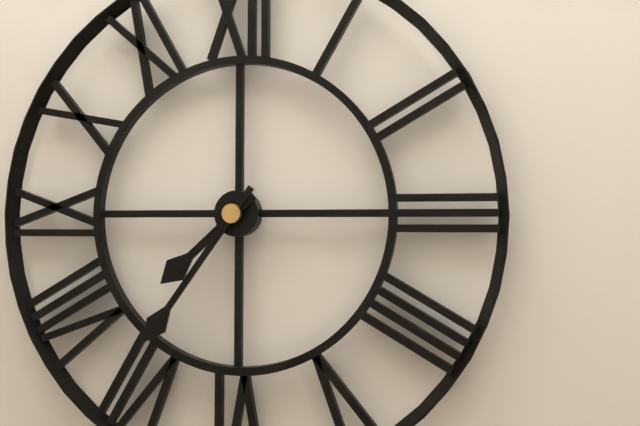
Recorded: 7h36
